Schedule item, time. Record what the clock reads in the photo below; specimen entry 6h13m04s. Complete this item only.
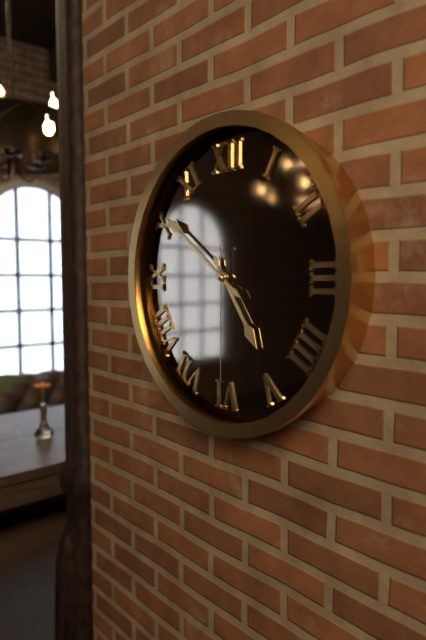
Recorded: 4h51m30s
